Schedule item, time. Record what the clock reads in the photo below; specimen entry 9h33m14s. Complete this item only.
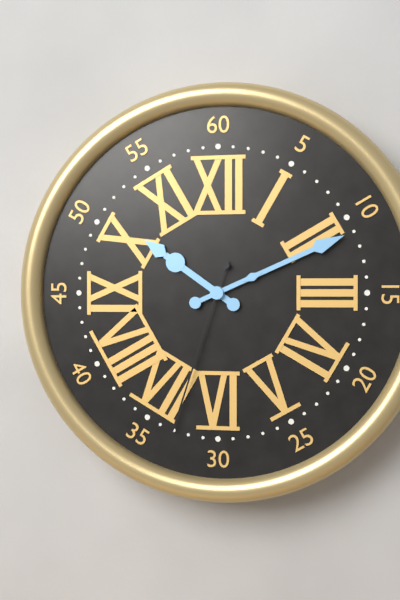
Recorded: 10h11m33s
